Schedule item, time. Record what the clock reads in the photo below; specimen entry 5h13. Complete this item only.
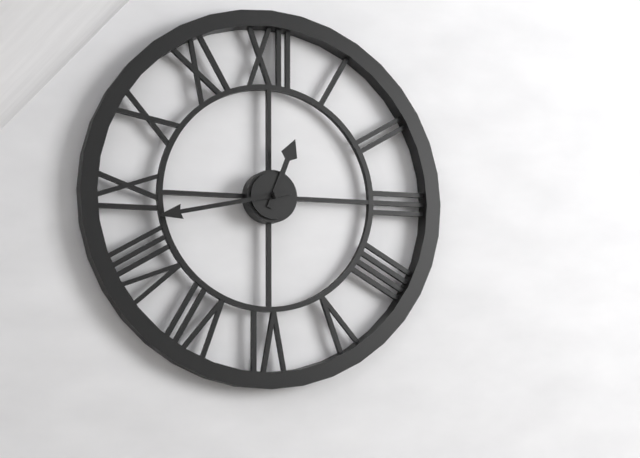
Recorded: 12h43
